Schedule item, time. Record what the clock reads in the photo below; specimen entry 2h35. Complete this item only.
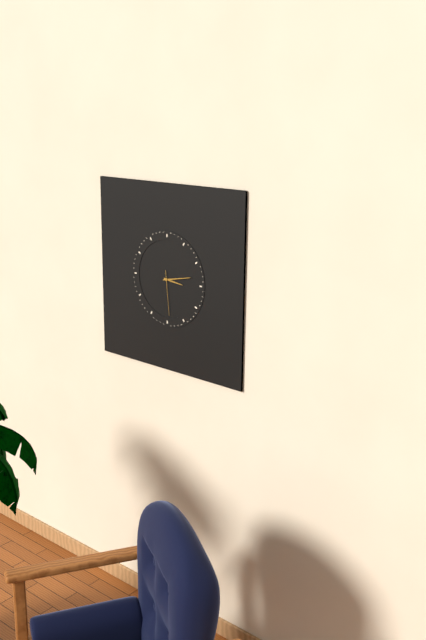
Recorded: 3h13
